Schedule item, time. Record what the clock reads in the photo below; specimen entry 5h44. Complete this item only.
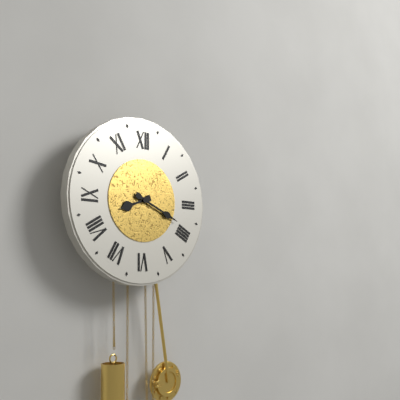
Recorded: 8h19
